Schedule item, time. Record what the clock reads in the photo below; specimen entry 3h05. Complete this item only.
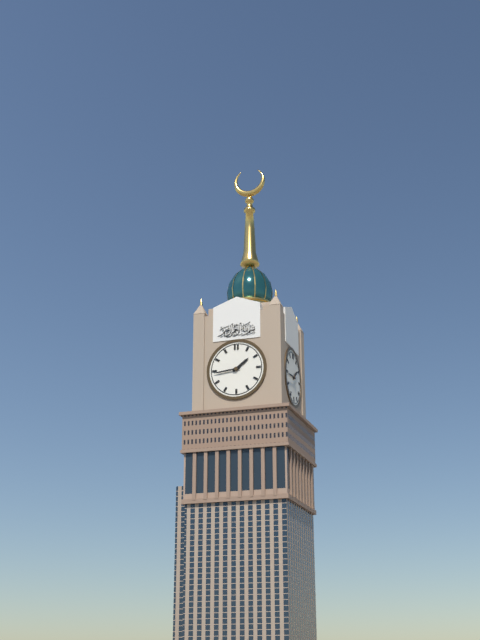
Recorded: 1h44
